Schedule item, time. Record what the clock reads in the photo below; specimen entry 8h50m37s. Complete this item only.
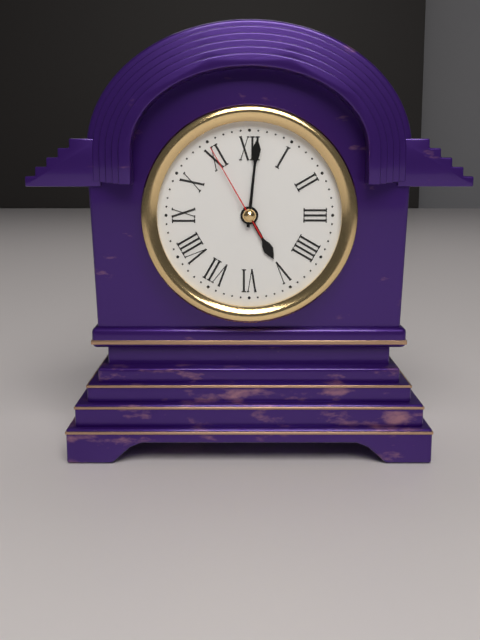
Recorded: 5h01m55s
